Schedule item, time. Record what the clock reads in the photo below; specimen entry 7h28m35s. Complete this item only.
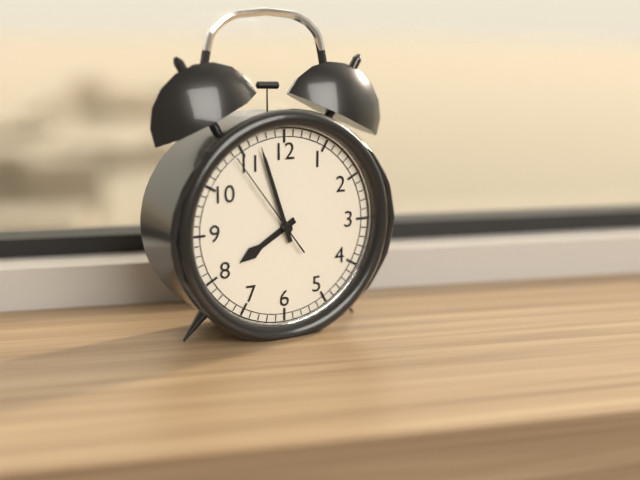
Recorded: 7h57m54s
